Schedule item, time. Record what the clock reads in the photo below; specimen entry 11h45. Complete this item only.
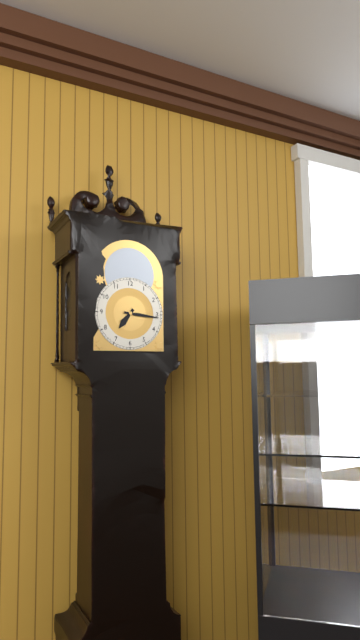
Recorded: 7h16
